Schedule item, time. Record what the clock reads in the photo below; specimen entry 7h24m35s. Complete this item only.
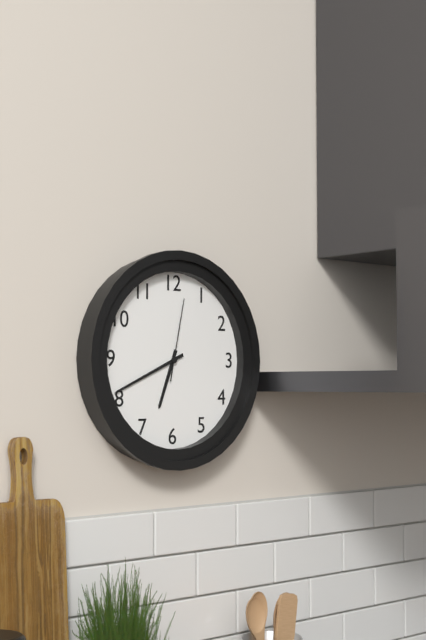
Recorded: 6h41m02s
